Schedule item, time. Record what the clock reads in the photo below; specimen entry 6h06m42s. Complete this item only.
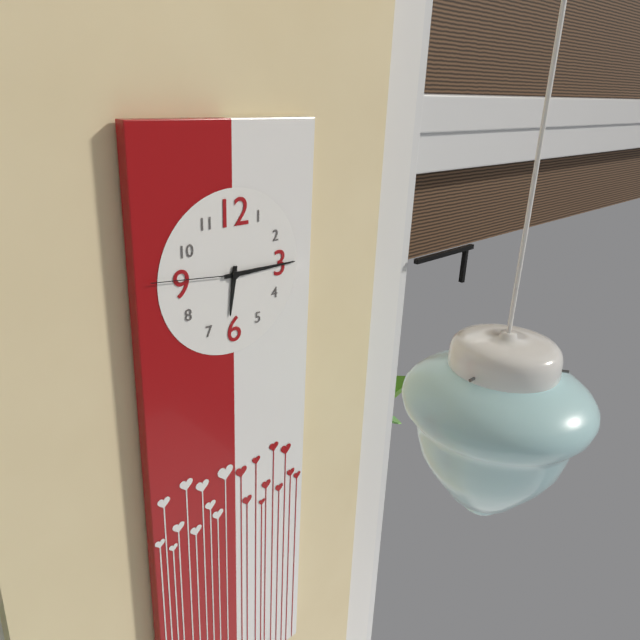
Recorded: 6h15m46s
